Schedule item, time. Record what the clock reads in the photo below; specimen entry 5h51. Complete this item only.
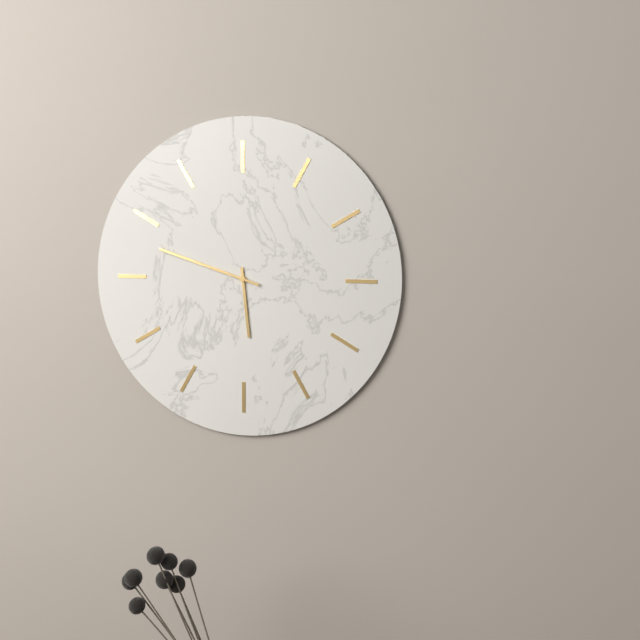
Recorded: 5h48
